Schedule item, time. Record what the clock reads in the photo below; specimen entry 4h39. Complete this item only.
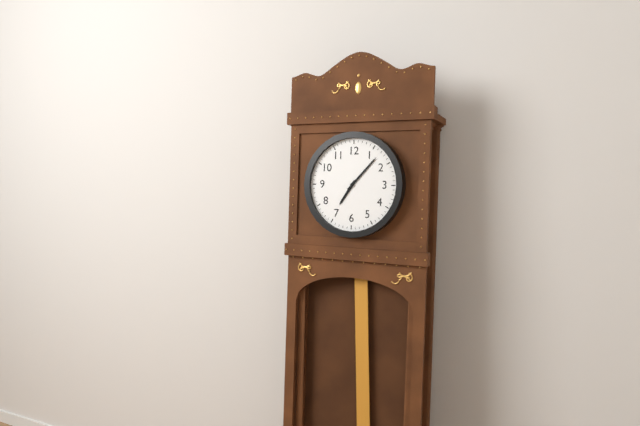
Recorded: 7h07
